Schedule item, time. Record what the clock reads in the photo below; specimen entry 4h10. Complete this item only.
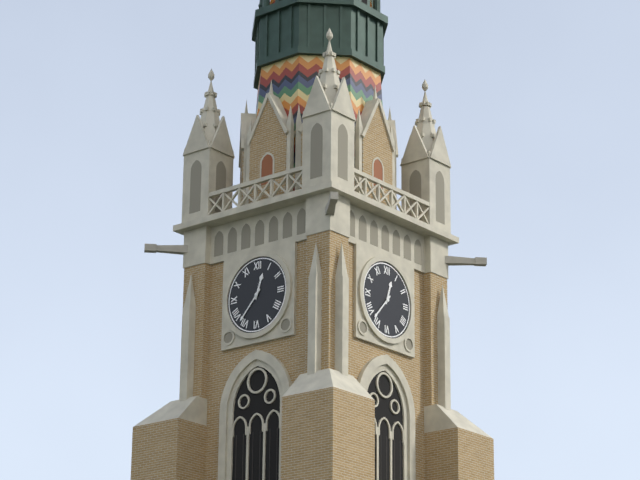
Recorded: 12h37
